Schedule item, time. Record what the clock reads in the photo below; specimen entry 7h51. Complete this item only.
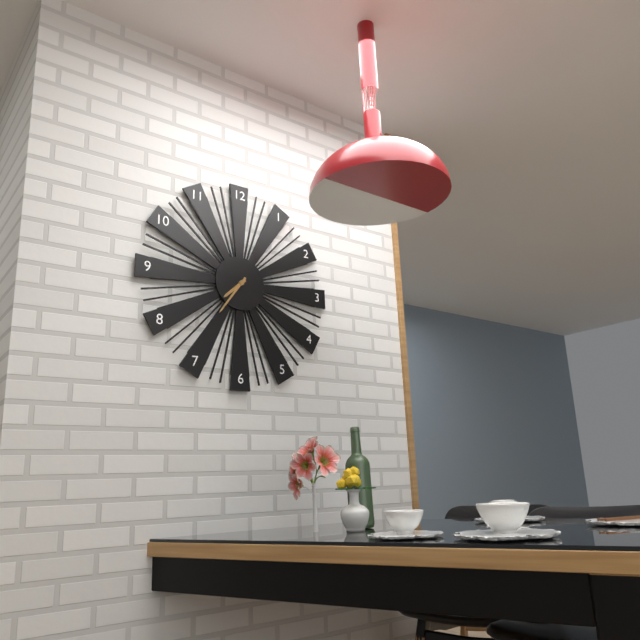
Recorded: 7h36
